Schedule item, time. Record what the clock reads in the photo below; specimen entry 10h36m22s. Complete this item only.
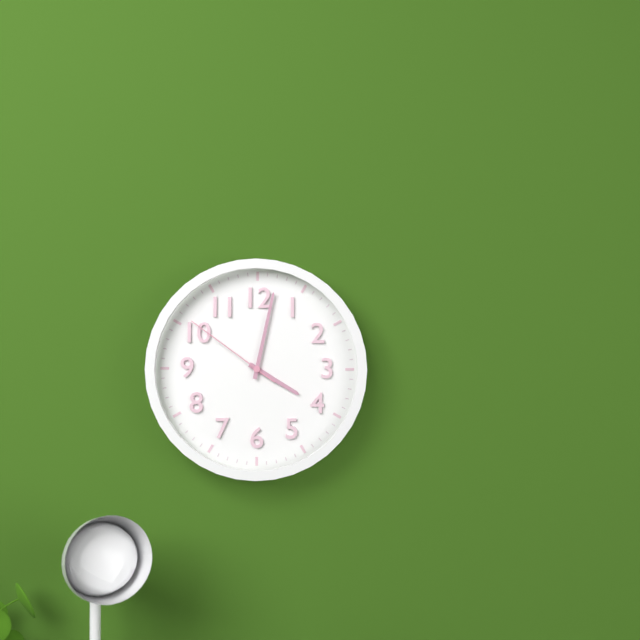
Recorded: 4h02m51s
